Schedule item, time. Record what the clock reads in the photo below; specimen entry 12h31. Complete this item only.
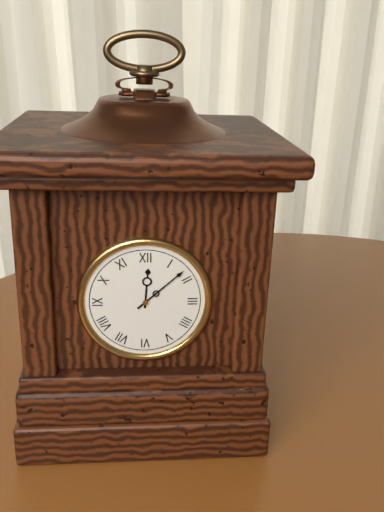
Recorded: 12h08
